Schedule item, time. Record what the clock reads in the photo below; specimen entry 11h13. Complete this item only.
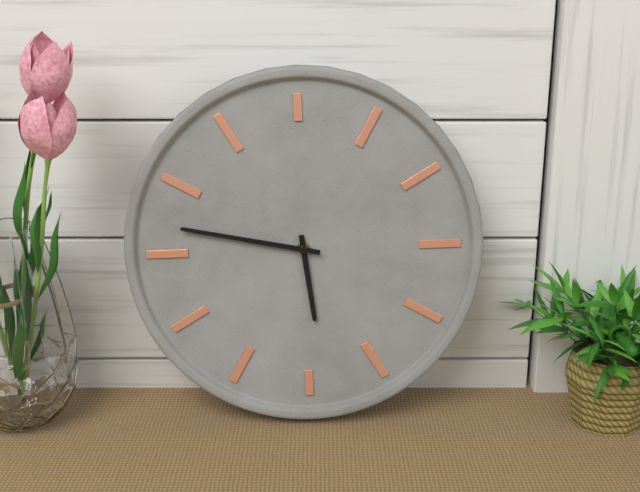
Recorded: 5h47
